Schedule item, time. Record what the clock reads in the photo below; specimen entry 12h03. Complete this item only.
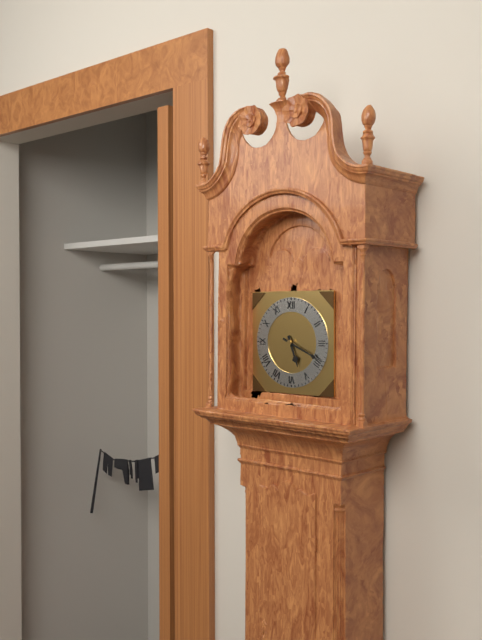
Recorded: 5h19
